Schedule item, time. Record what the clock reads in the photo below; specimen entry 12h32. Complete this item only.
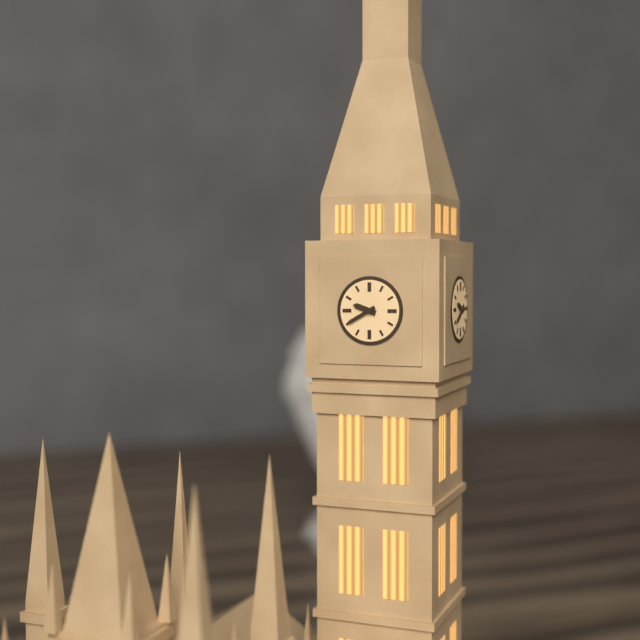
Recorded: 9h40
